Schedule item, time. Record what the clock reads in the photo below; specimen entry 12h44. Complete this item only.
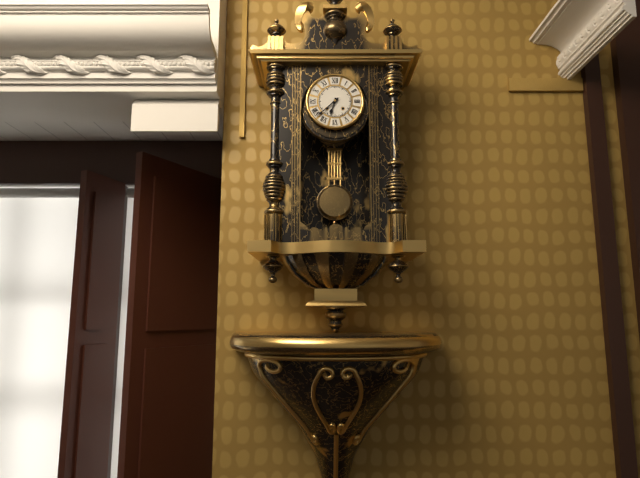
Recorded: 6h38
